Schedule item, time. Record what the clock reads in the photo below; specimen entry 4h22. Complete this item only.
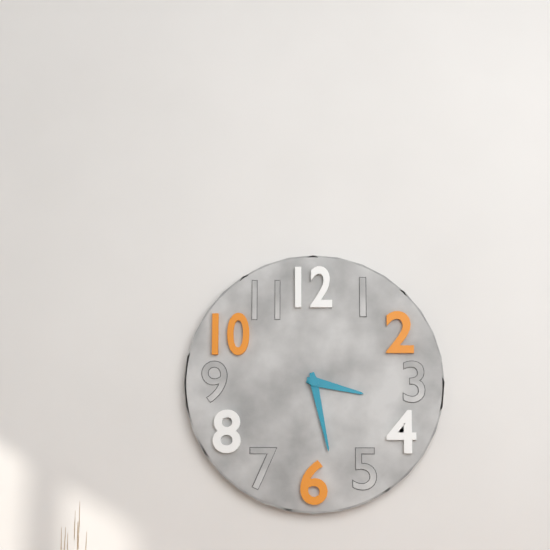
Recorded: 3h28
